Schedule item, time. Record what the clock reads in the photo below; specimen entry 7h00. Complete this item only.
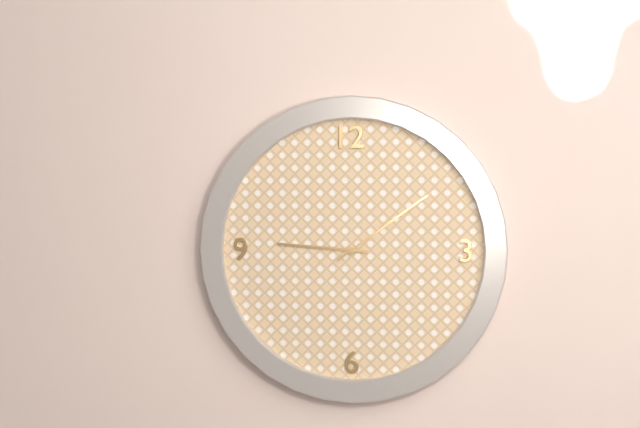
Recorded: 9h09
